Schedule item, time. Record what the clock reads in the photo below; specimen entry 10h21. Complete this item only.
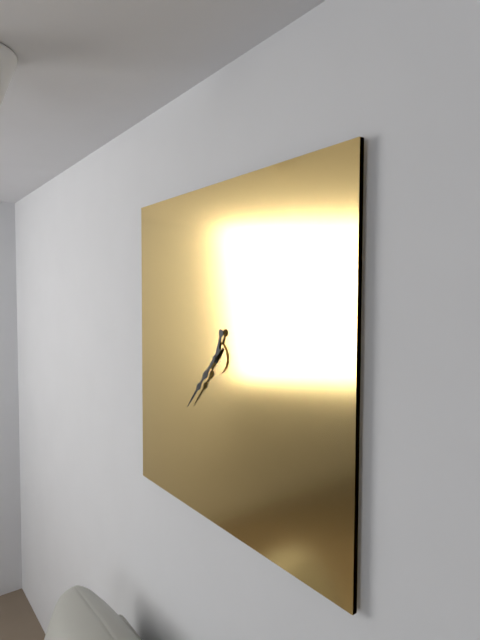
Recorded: 12h37
